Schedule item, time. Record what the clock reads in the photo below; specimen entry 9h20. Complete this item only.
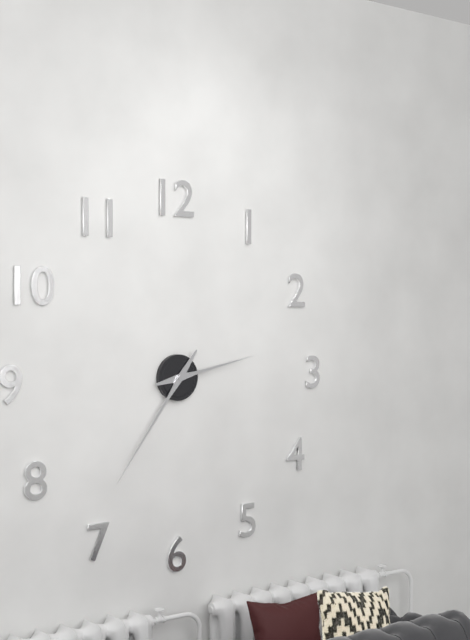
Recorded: 2h36
